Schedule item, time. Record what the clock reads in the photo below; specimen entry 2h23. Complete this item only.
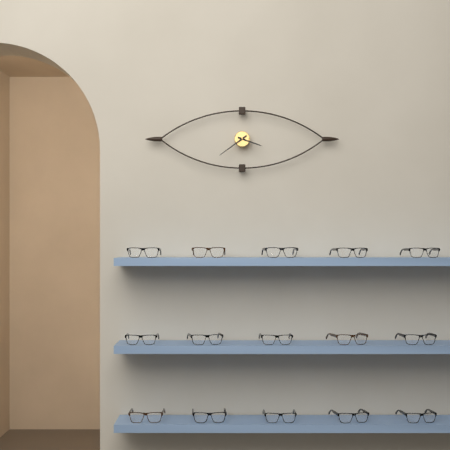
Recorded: 3h39
